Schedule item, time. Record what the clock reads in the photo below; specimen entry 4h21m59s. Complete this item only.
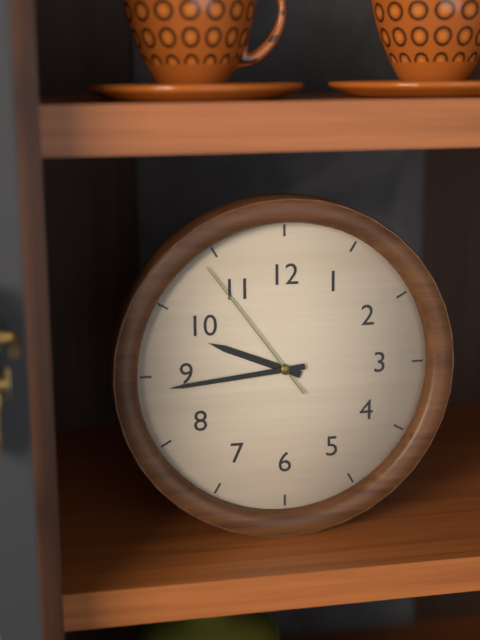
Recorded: 9h44m54s
